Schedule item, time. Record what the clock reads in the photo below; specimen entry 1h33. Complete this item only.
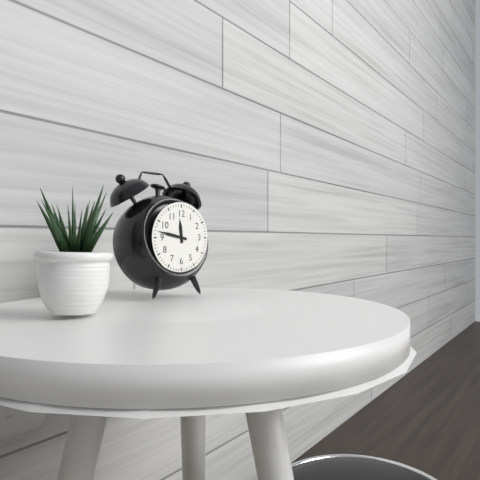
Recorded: 11h47
